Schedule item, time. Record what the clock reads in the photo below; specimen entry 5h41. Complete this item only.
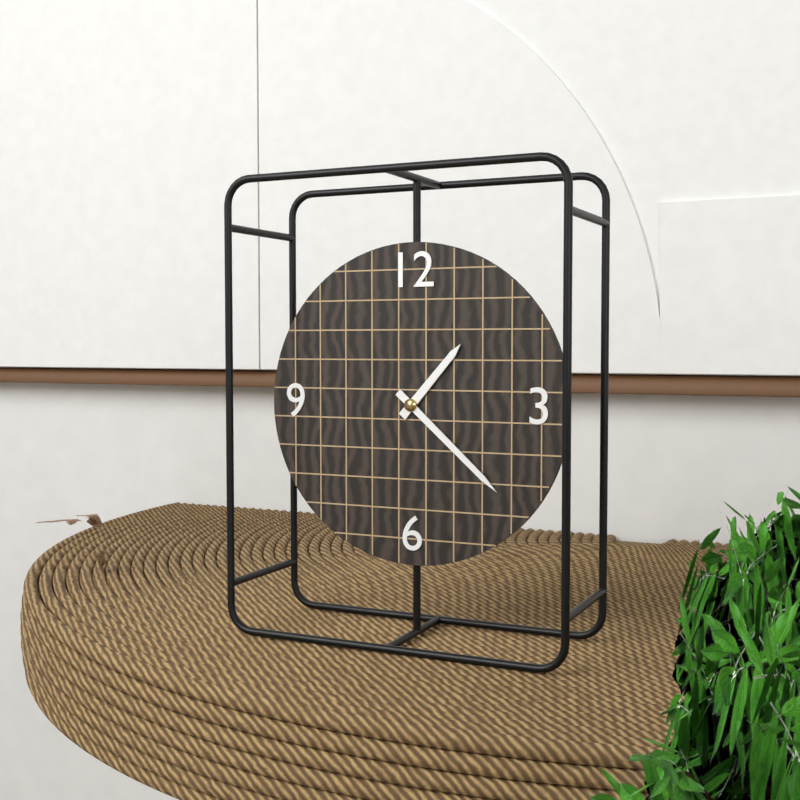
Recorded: 1h22
